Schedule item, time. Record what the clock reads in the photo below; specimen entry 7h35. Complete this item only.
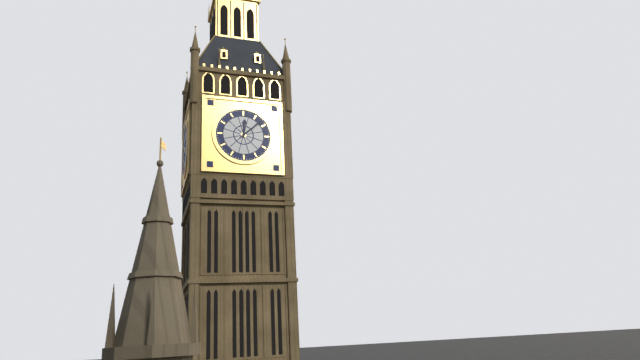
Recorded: 12h08
